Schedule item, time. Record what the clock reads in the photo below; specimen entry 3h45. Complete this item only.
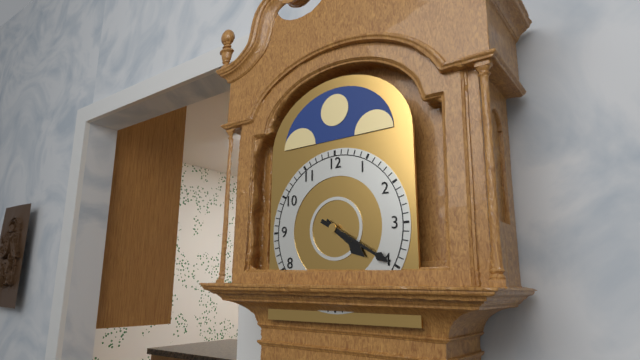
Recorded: 4h20
